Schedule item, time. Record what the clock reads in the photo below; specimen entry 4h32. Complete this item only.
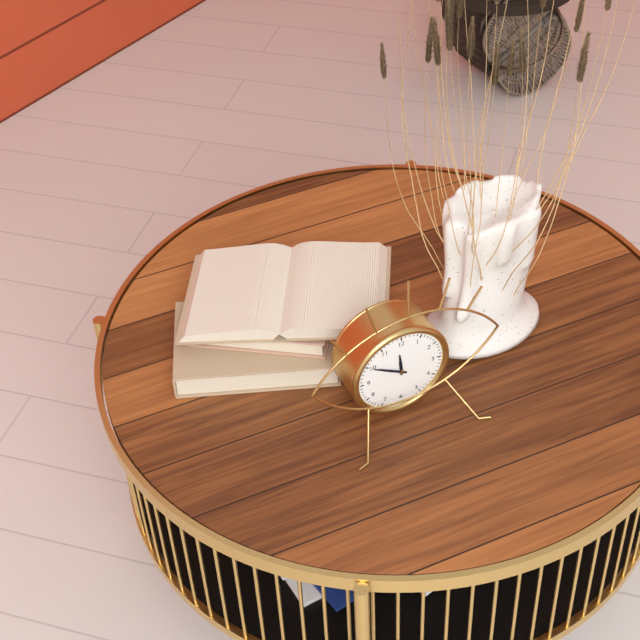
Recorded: 11h50
